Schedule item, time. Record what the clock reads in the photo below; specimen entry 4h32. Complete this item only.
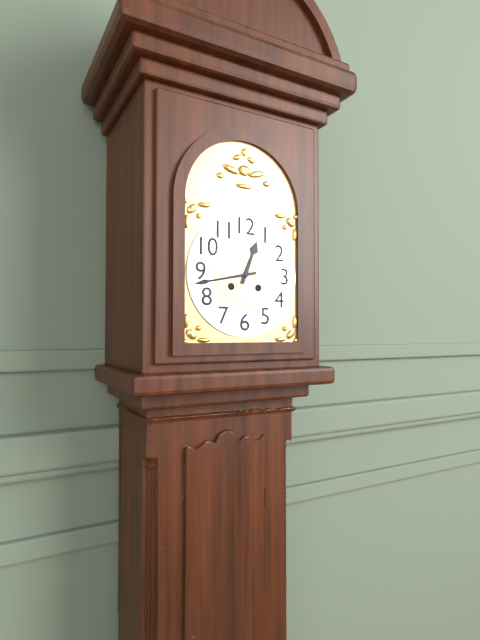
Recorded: 12h43
